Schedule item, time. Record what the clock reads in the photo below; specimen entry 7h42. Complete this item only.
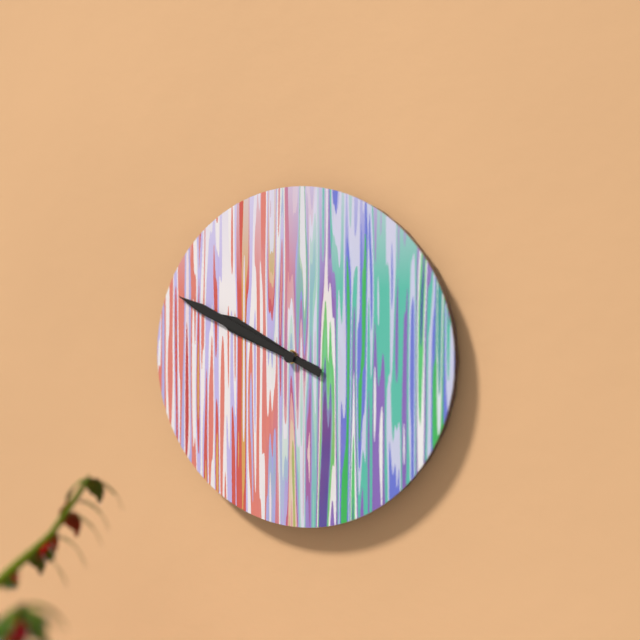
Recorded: 9h49
